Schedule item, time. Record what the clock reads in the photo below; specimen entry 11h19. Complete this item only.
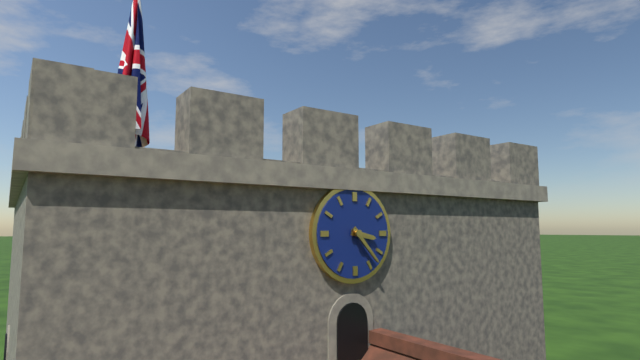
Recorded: 3h23
